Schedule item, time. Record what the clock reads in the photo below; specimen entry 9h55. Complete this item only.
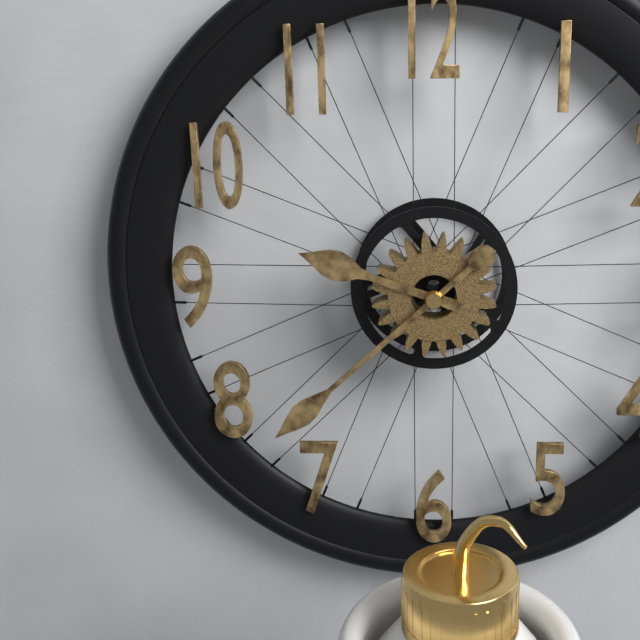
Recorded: 9h38
